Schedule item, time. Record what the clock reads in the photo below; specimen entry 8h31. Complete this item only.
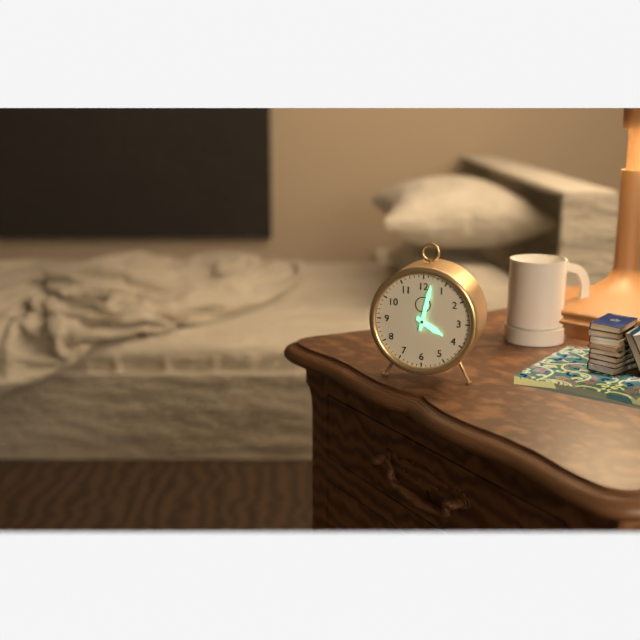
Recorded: 4h02
